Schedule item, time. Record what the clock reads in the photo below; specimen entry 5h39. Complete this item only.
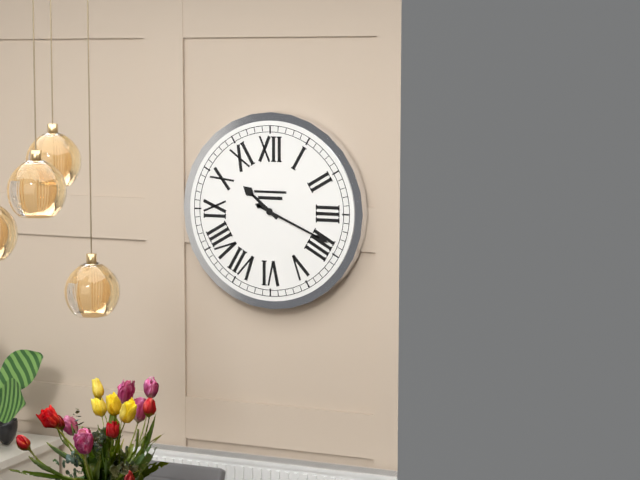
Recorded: 10h19
